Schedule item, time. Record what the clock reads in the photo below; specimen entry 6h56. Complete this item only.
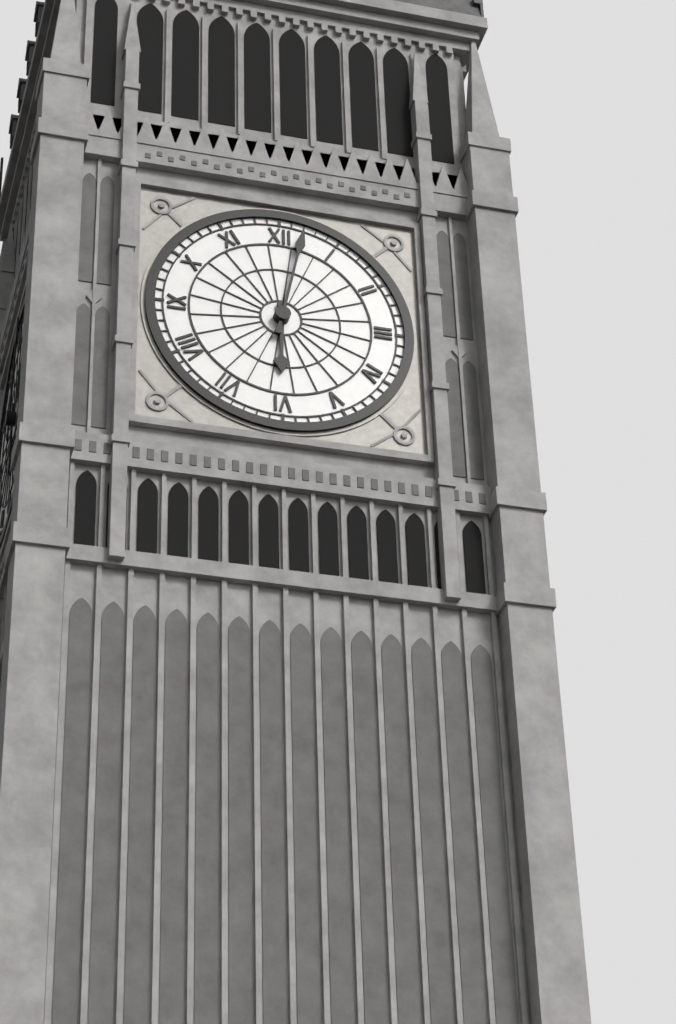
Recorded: 6h02
